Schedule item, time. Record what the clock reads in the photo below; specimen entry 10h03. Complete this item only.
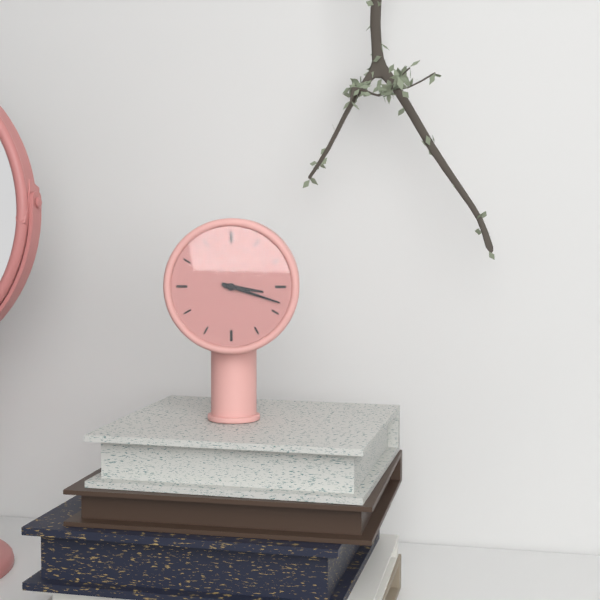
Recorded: 3h18
